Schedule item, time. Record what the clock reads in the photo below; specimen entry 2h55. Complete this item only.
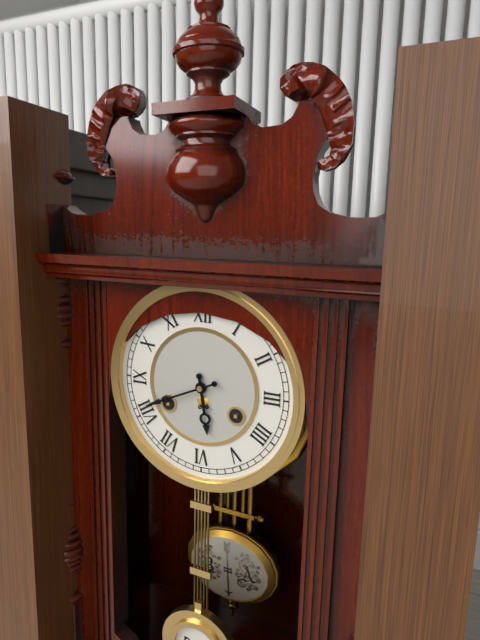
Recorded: 5h41
